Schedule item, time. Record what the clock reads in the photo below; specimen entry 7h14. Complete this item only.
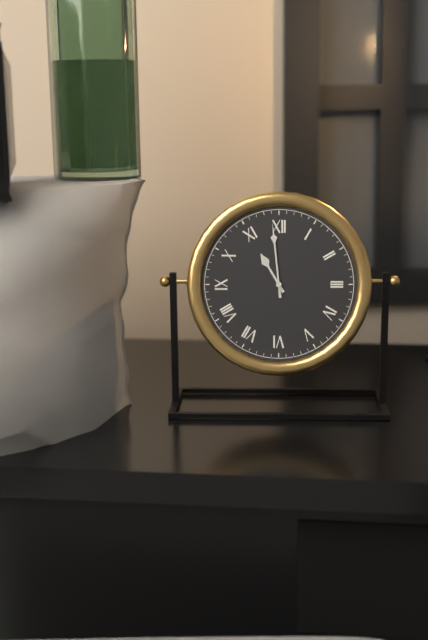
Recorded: 10h59
